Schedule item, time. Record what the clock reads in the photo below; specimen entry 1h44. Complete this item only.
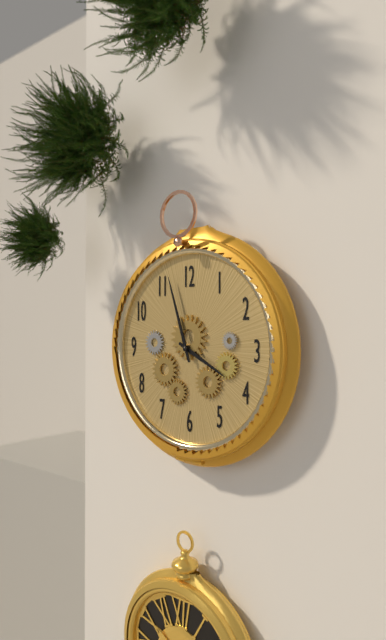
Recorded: 3h57
